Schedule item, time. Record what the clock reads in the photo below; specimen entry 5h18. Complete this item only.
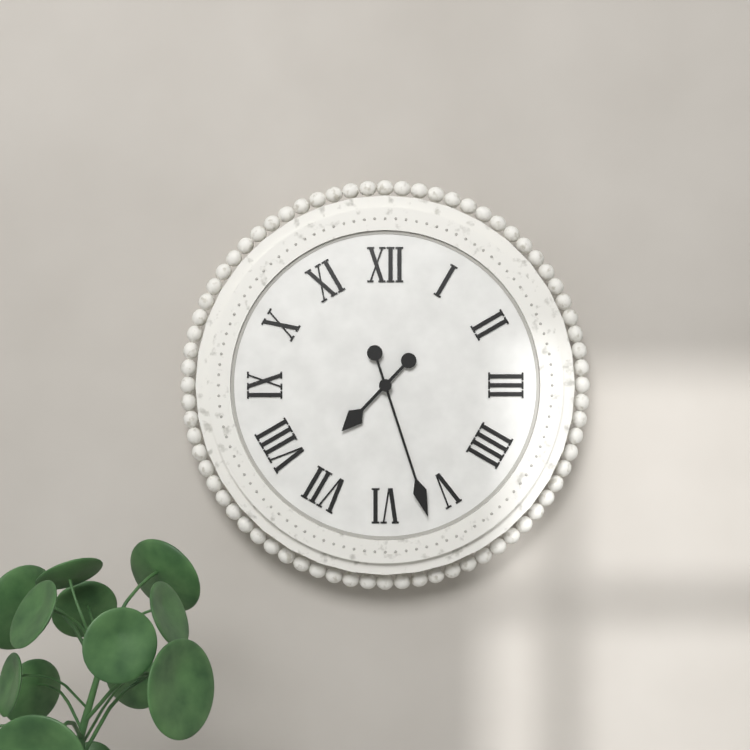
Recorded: 7h27
